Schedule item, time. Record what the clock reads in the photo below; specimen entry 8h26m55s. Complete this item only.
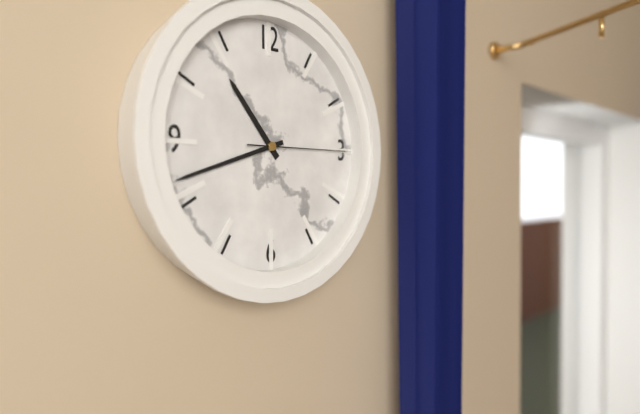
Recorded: 10h42m15s
